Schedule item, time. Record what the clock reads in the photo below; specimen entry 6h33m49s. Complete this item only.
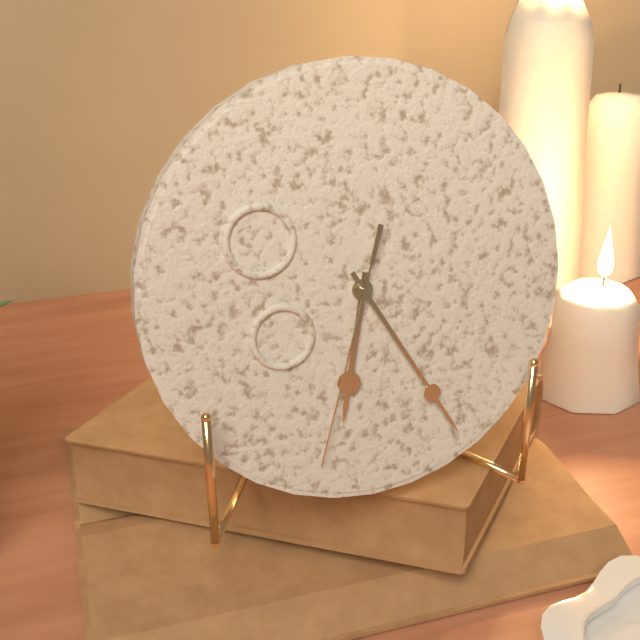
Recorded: 6h25m33s
